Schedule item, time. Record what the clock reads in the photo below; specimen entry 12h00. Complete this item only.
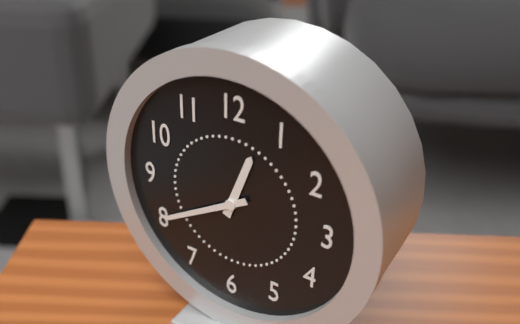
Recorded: 12h40
